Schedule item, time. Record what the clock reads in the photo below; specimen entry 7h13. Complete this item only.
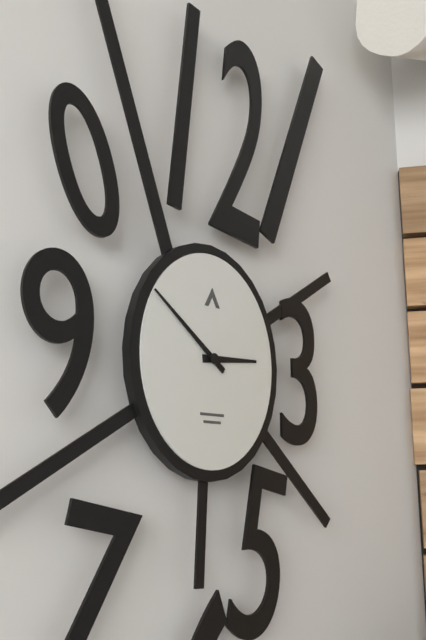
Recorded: 2h51
